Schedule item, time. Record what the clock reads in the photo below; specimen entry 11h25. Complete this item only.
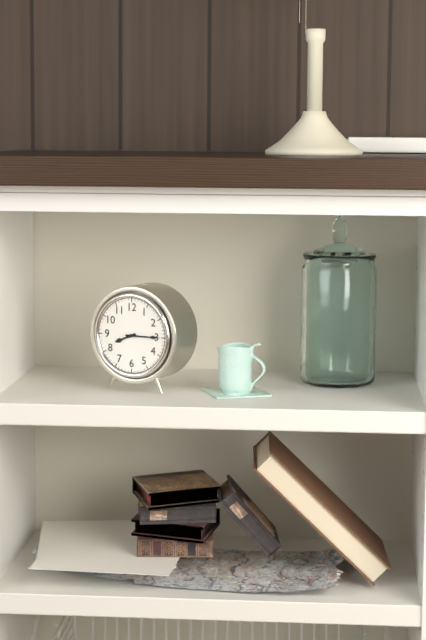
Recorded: 8h15
